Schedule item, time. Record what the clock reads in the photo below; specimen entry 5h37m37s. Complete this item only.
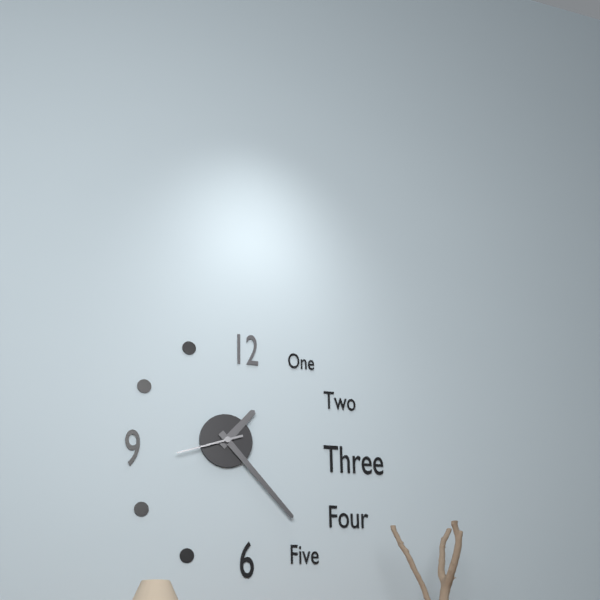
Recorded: 1h23m42s
